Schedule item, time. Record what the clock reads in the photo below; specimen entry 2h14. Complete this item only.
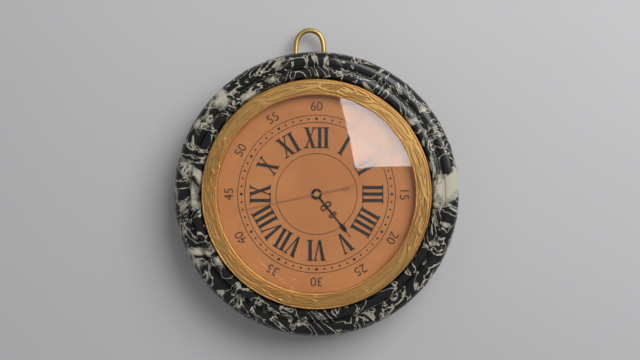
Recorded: 4h43
